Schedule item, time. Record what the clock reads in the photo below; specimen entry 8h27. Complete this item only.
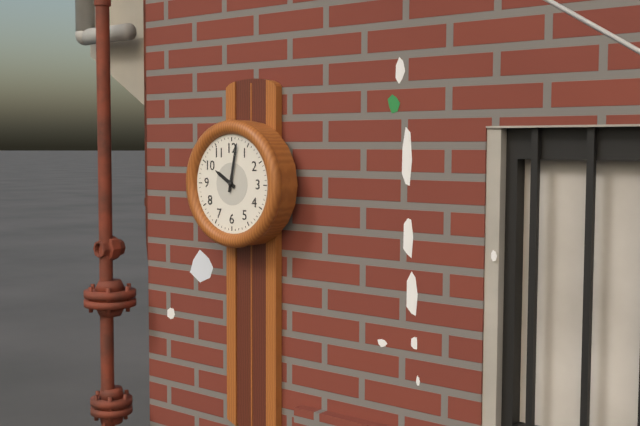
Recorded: 10h02
